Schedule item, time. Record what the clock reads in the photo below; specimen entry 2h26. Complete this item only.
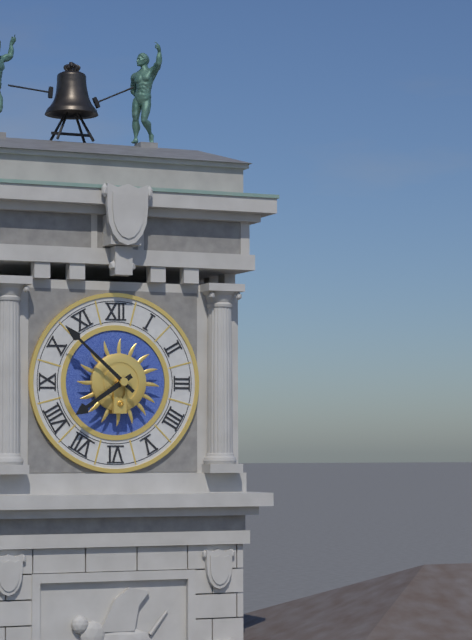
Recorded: 7h52
